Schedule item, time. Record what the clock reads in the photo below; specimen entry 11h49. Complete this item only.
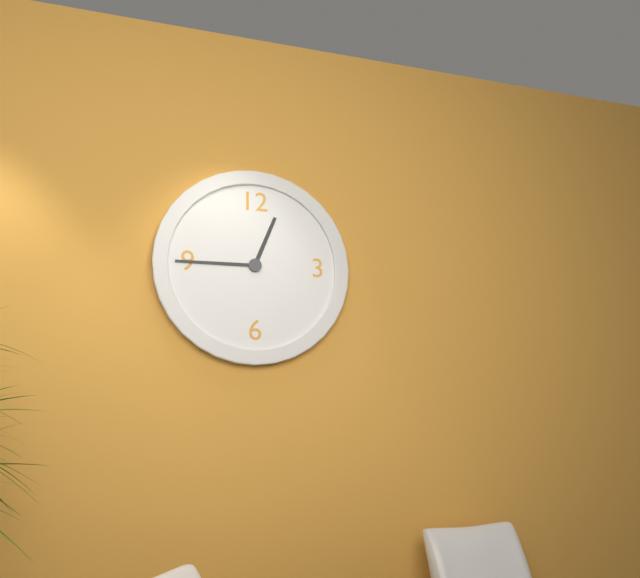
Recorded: 12h45
